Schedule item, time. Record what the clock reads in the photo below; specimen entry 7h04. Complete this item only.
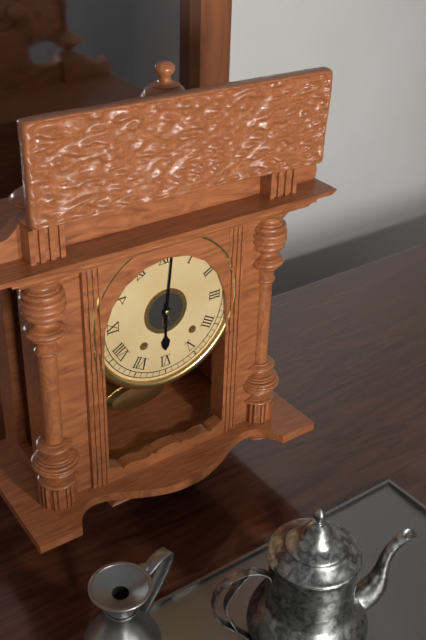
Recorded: 6h01
